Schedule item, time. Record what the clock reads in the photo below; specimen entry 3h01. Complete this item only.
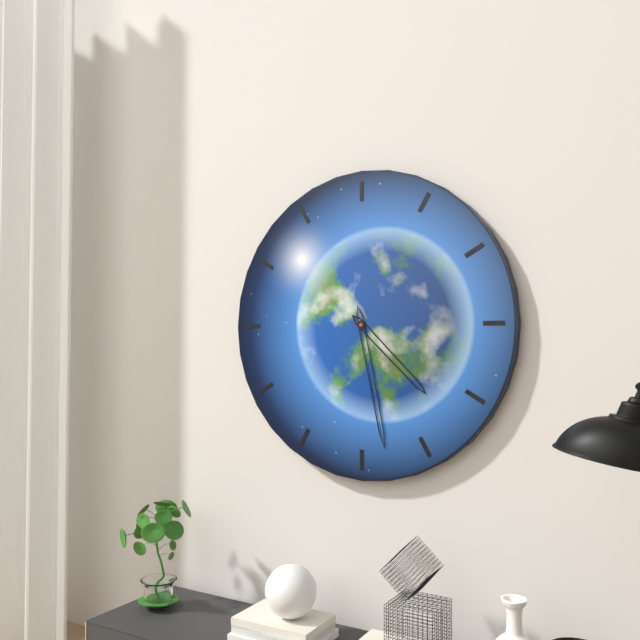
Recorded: 4h28
